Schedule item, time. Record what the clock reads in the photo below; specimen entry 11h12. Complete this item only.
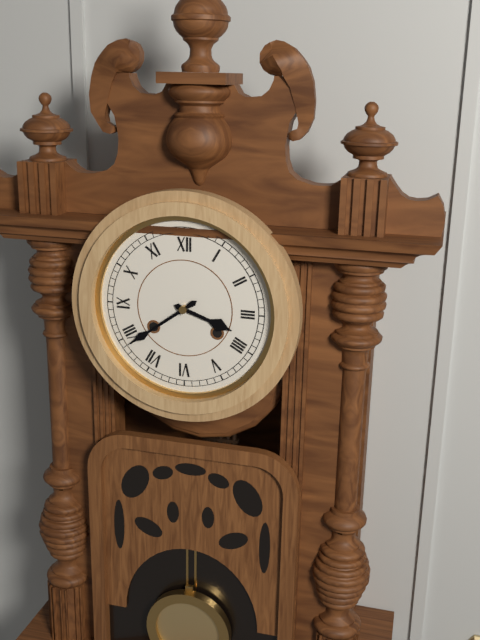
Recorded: 3h39
